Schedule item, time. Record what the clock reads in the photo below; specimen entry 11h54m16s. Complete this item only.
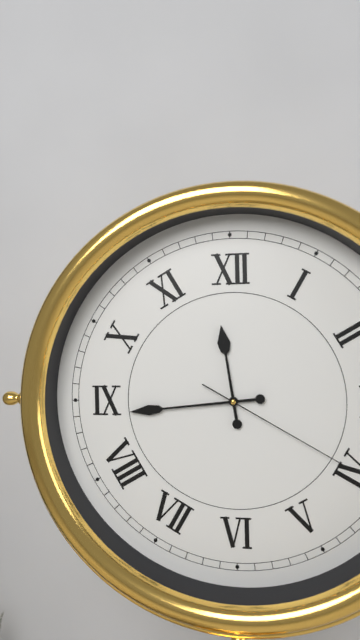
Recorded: 11h44m20s
